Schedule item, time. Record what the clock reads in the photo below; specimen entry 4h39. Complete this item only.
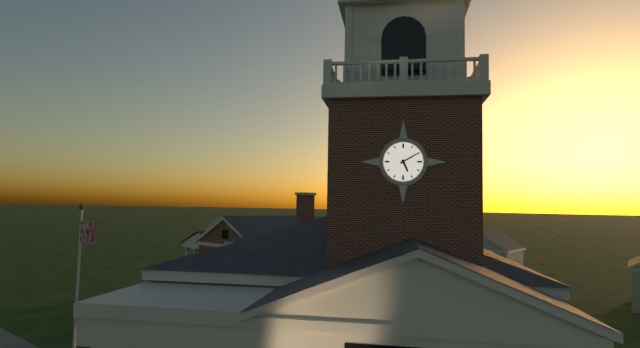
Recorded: 5h10
